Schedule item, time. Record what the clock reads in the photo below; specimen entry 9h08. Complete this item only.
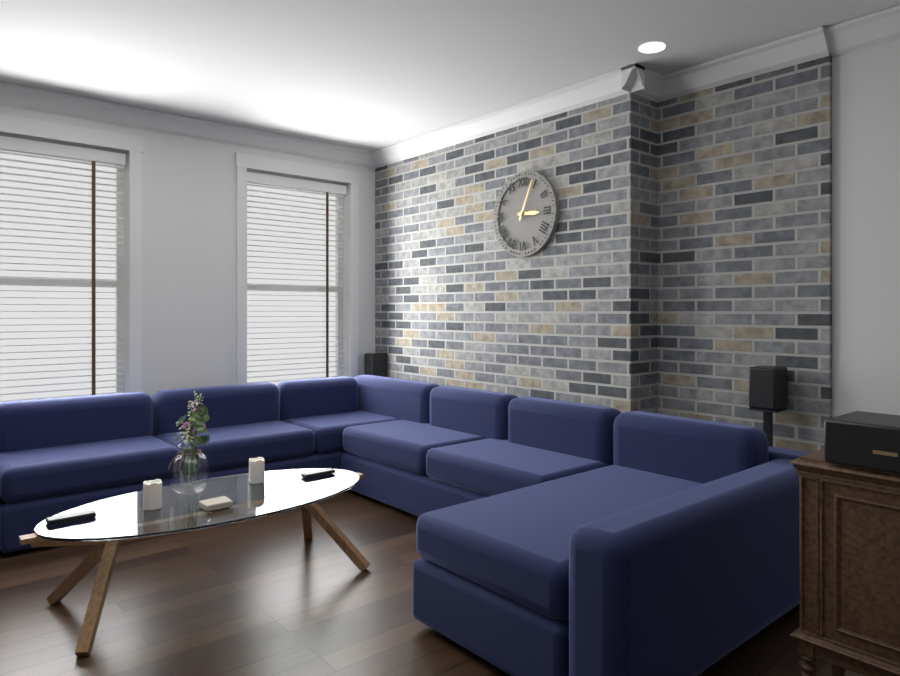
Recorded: 3h04
